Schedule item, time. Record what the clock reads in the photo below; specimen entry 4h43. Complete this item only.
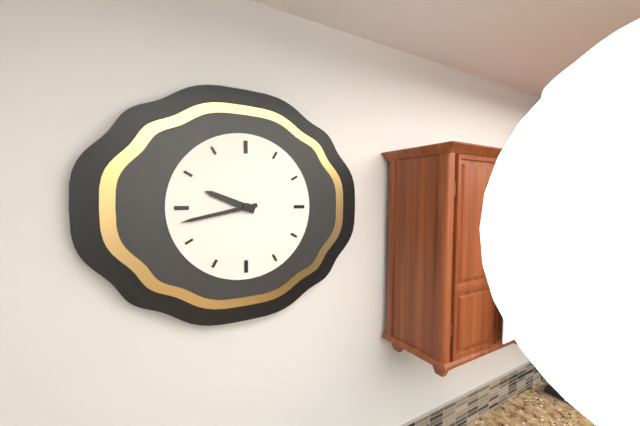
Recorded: 9h43
